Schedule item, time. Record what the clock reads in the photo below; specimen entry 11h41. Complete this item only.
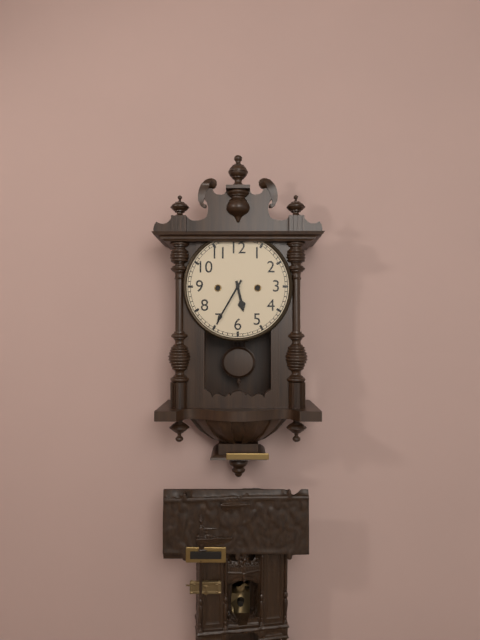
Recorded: 5h35
